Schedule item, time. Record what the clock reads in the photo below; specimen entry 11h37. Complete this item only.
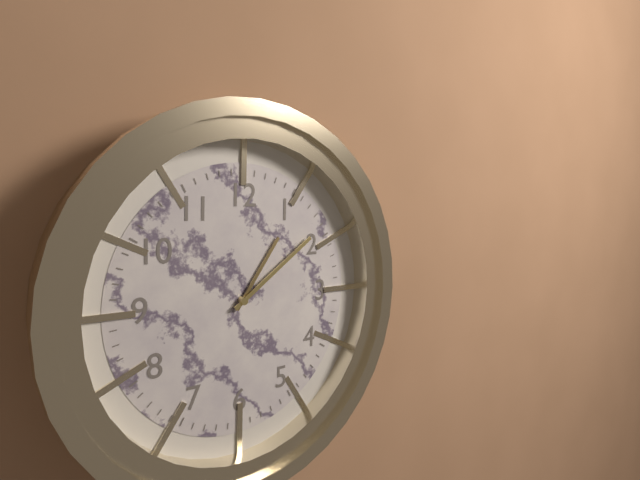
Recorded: 1h09
